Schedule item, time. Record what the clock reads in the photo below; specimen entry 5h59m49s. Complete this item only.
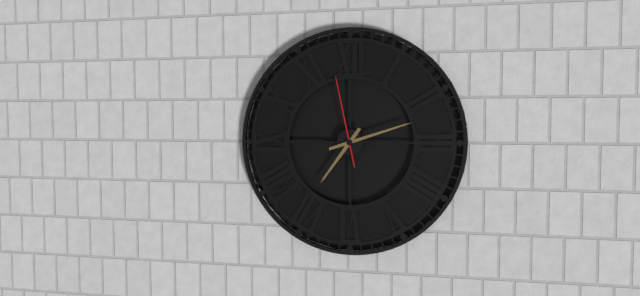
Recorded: 7h12m58s
